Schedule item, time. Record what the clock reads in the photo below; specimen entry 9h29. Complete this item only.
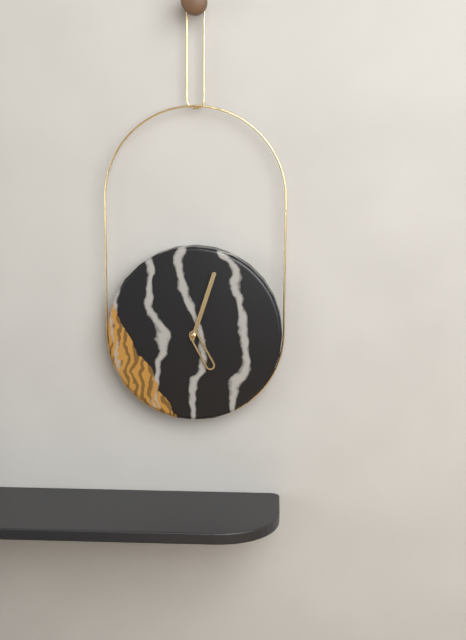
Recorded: 5h03
